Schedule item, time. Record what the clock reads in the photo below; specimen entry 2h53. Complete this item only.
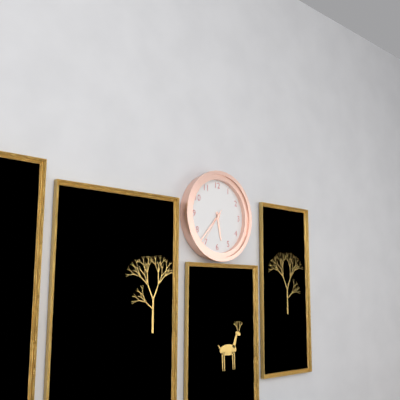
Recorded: 5h37
